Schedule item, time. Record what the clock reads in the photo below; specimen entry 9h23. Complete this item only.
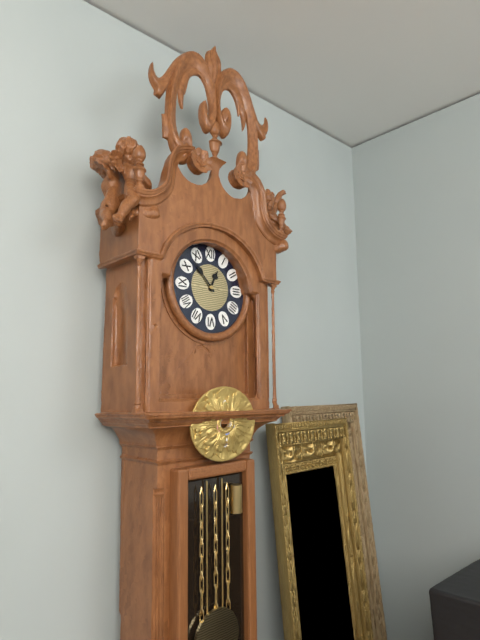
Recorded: 12h53
